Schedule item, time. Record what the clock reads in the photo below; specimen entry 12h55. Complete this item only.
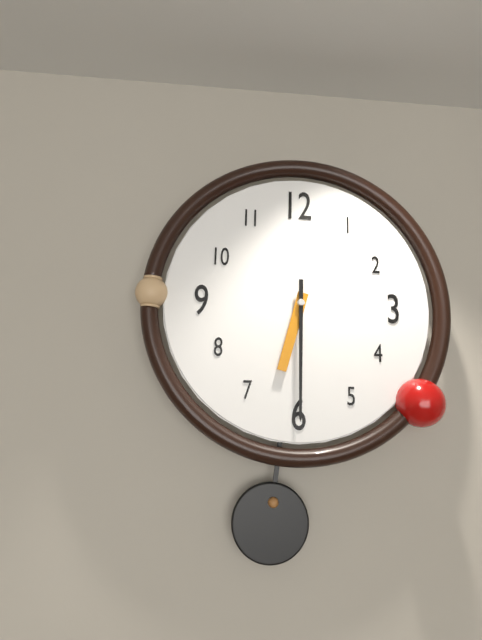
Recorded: 6h30
